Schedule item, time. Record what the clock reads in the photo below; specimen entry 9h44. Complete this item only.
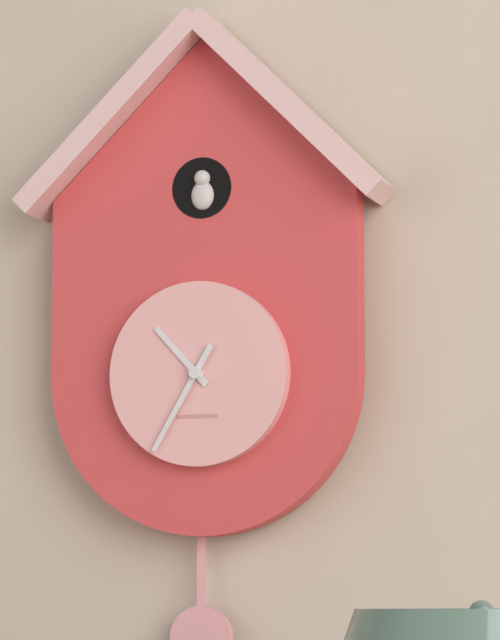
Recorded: 10h35
